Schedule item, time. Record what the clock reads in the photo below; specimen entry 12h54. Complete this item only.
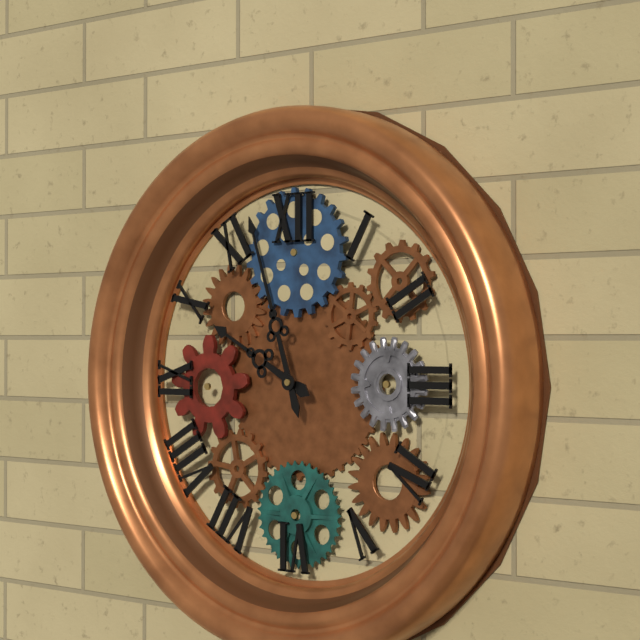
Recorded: 9h57
